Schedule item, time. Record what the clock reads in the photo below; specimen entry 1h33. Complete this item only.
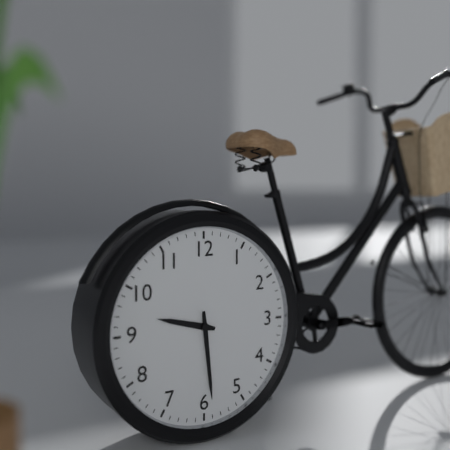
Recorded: 9h29
